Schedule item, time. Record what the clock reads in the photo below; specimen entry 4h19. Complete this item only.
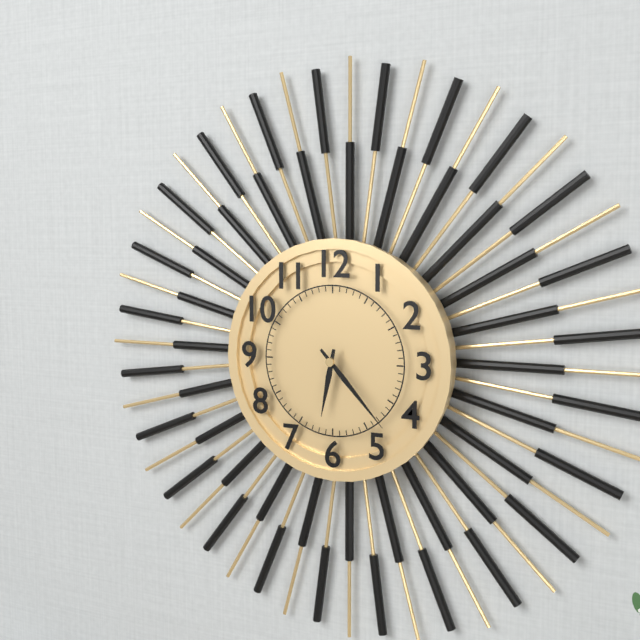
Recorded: 6h23
